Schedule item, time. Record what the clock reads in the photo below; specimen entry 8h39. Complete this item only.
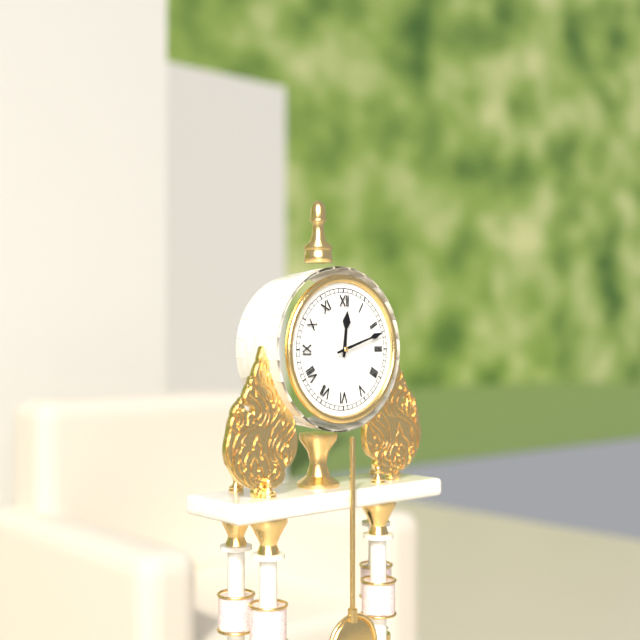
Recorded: 12h12
